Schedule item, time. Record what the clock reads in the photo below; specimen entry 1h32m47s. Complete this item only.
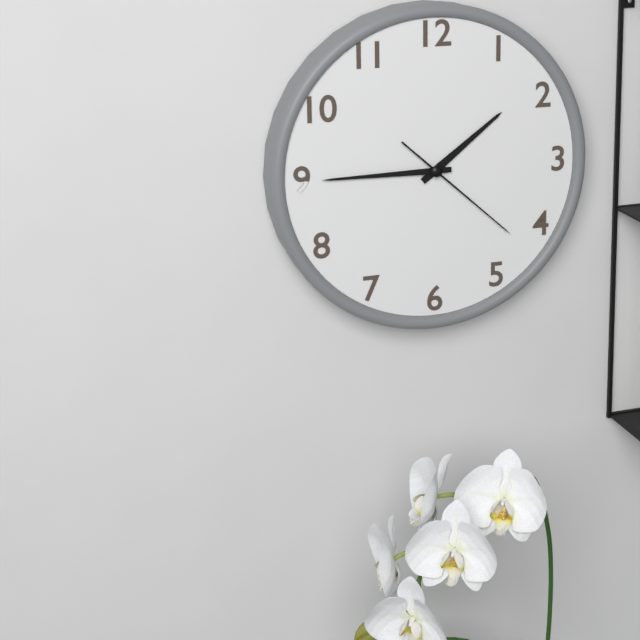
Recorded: 1h45m22s
